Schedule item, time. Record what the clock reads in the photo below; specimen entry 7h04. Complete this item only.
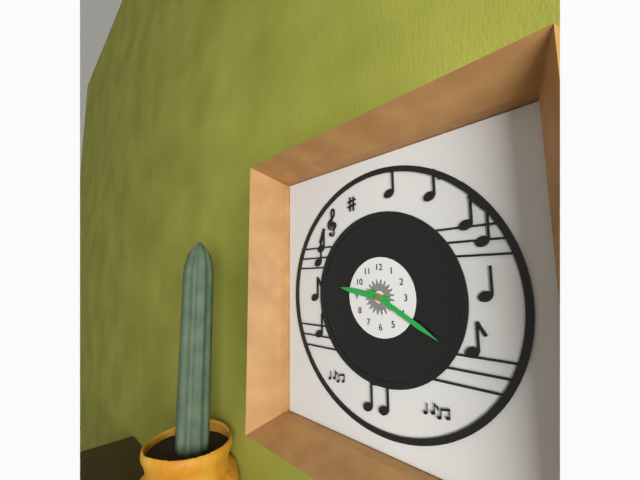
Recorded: 9h20
